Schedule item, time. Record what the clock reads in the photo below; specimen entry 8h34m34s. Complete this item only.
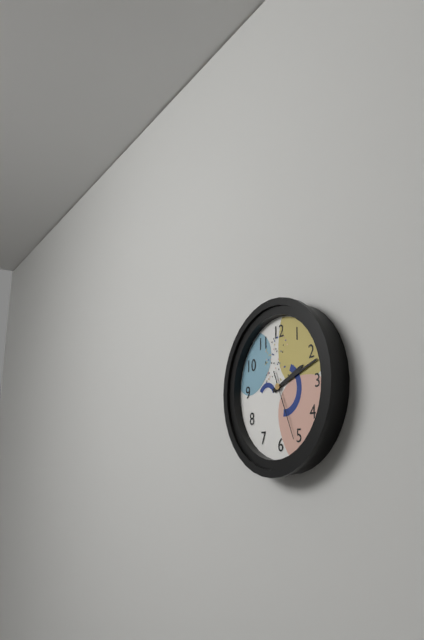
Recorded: 2h12m26s
